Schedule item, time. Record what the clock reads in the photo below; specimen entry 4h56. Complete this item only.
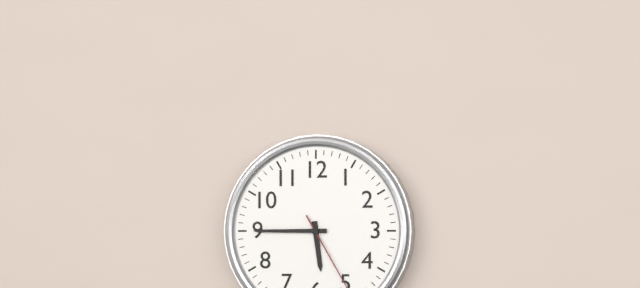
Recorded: 5h45
